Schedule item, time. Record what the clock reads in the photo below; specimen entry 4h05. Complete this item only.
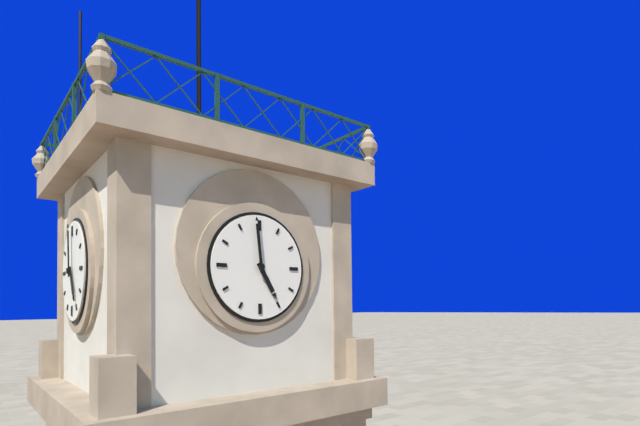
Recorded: 4h59
